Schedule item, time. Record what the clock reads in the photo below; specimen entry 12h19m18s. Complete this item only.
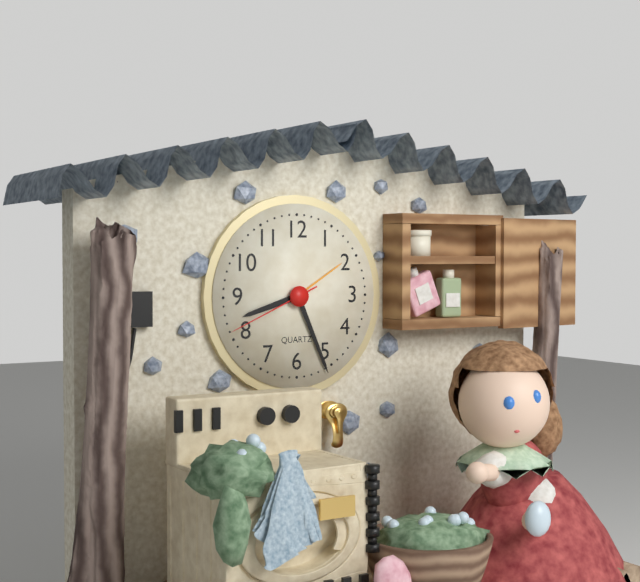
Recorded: 8h26m41s
